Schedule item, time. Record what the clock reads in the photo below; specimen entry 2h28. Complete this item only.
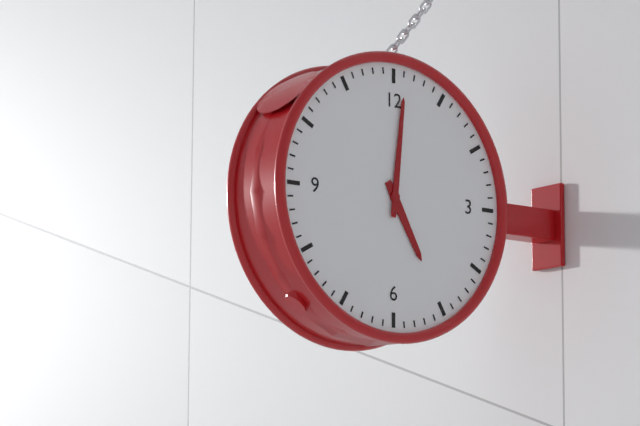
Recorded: 5h01
